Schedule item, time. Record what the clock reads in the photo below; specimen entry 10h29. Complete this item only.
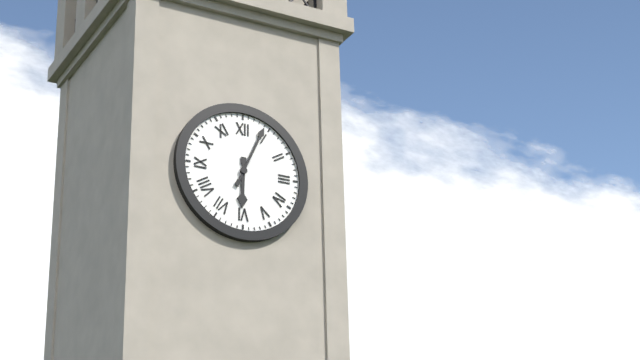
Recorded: 6h04
